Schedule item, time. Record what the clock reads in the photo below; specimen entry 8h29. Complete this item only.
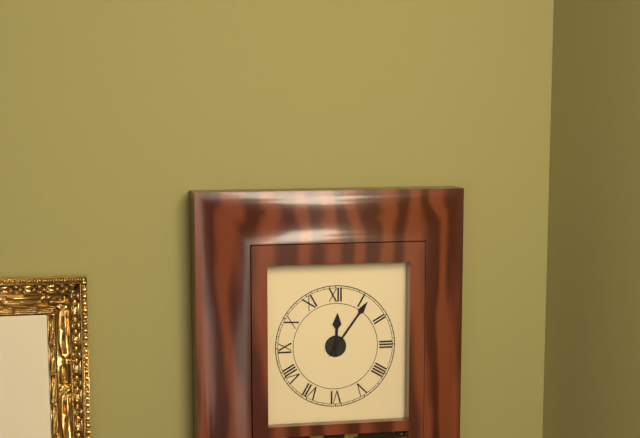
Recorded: 12h06
